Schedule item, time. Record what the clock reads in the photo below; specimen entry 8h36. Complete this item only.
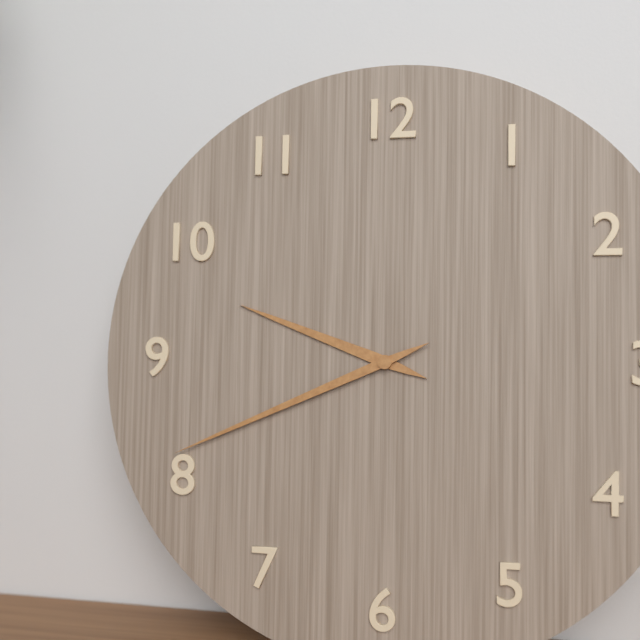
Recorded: 9h41
